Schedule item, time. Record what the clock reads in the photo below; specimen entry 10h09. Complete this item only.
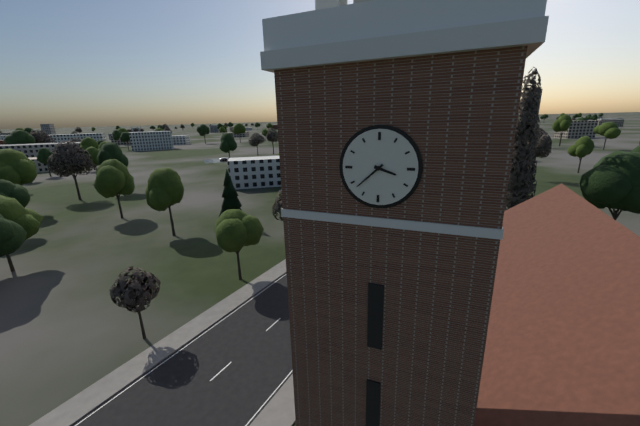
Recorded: 3h38
